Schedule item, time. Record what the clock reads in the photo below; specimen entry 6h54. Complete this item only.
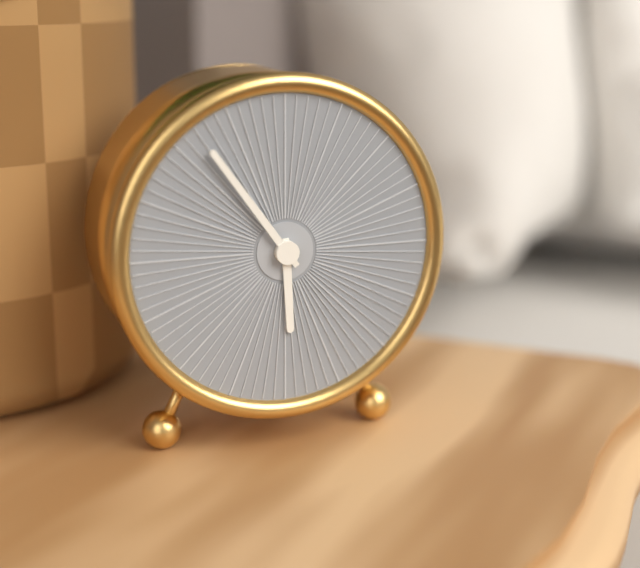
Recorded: 5h54
